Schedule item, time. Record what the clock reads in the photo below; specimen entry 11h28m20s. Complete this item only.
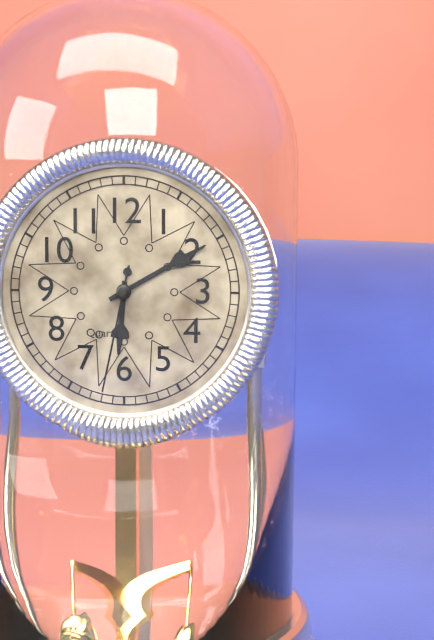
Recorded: 6h10m32s
